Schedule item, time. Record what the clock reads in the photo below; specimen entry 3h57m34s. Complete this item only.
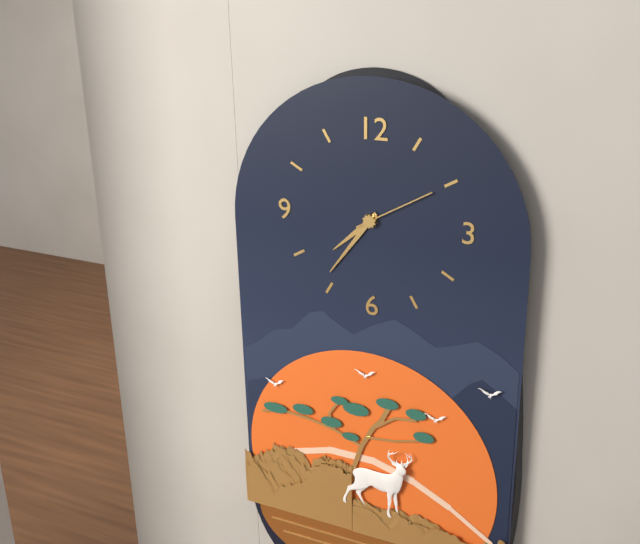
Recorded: 7h36m10s
